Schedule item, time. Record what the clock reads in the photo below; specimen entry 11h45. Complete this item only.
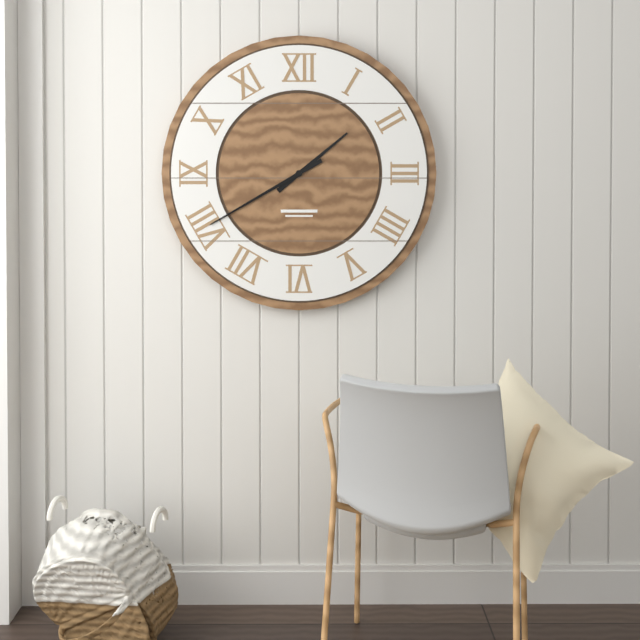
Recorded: 1h40
